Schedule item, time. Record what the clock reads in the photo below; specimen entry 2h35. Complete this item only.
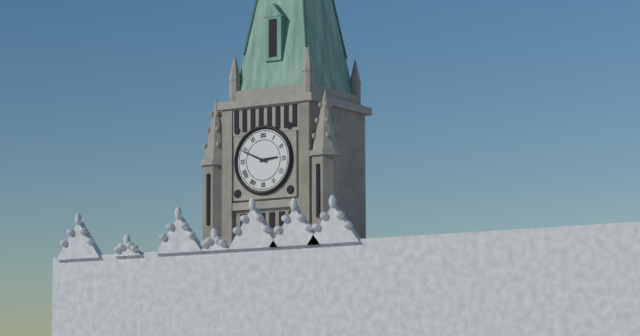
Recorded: 2h49
